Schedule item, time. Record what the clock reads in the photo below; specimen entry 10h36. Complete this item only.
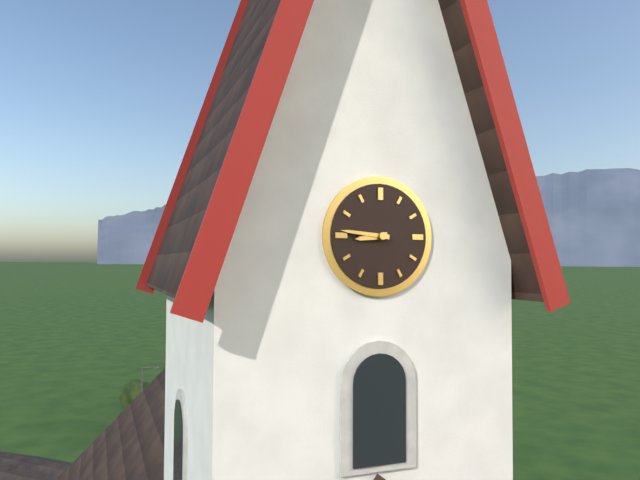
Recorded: 8h46
